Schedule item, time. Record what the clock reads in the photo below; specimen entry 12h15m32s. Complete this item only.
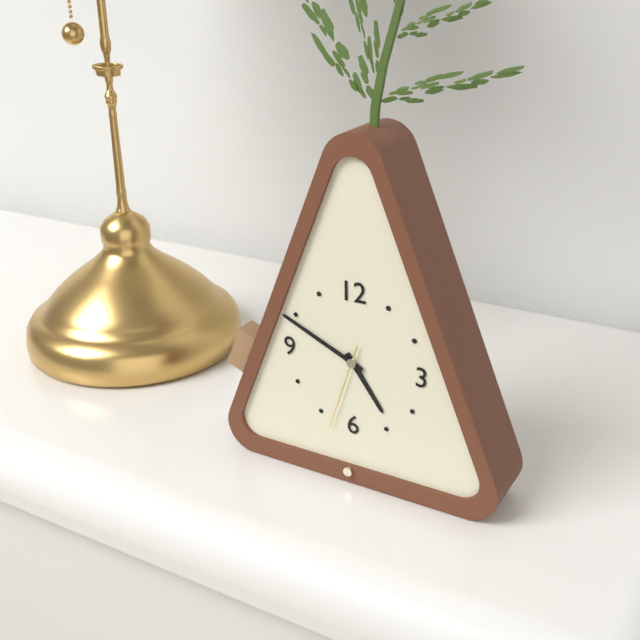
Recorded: 4h49m33s
